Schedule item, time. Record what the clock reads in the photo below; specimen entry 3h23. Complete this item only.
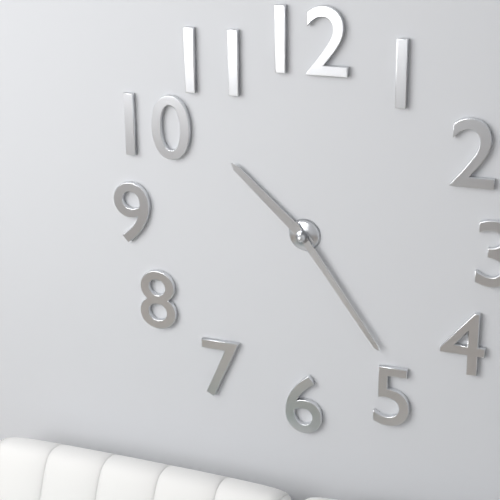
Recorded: 10h24
